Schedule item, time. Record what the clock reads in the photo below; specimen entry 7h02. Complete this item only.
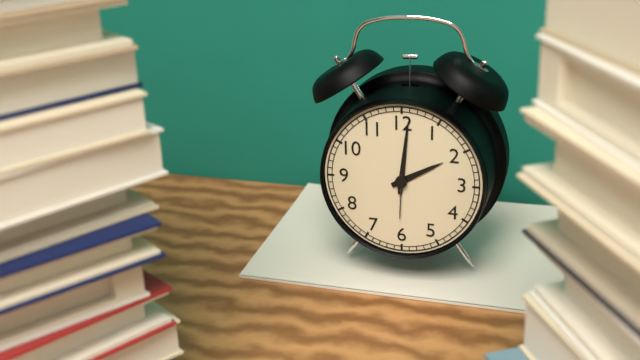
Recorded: 2h01
